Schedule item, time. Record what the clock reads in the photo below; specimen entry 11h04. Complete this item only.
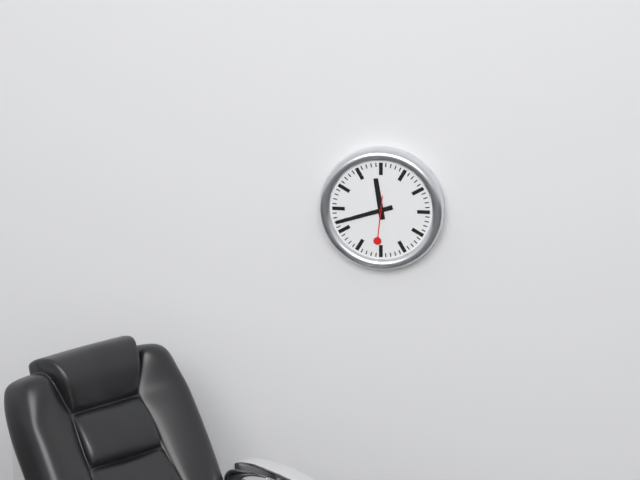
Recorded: 11h42
